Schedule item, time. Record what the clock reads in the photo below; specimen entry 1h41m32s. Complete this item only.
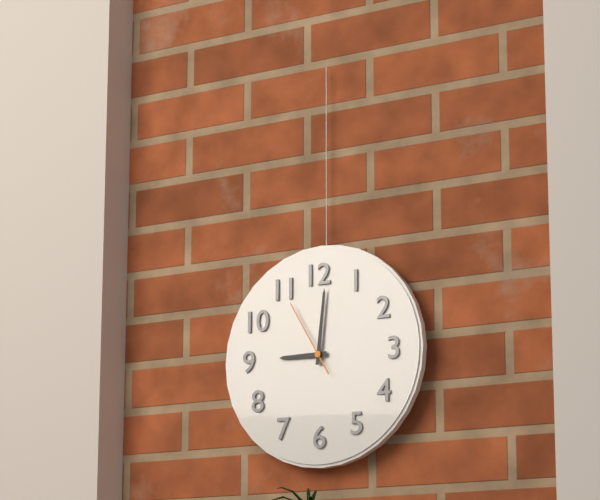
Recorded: 9h01m55s
